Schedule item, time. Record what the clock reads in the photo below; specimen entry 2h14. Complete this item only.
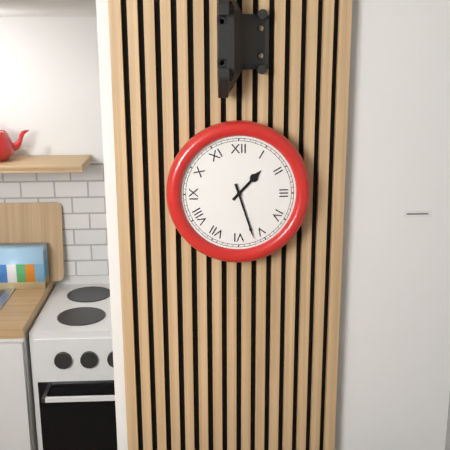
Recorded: 1h27
